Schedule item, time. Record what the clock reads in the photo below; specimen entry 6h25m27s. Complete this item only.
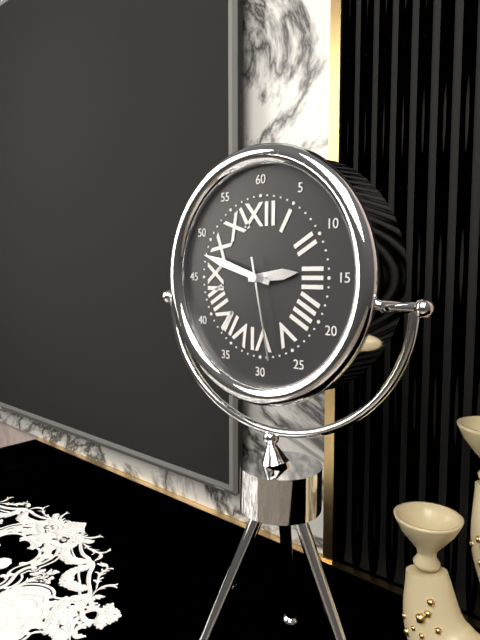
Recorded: 2h48m28s
